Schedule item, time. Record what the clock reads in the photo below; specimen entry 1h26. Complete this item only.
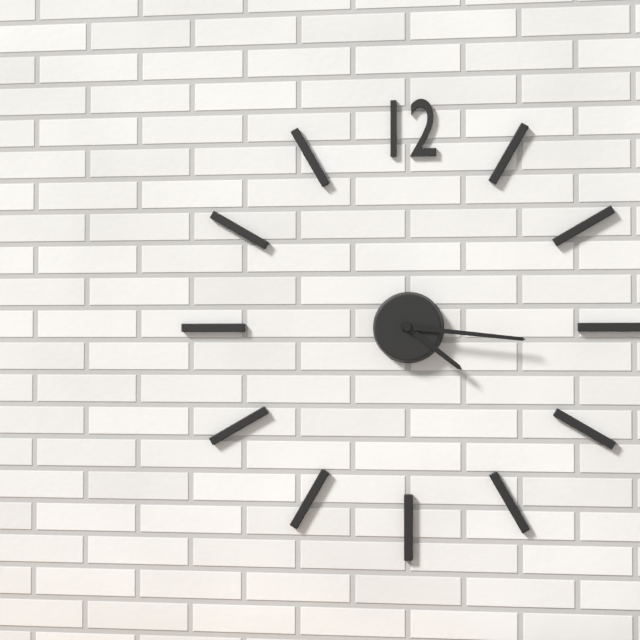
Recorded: 4h16
